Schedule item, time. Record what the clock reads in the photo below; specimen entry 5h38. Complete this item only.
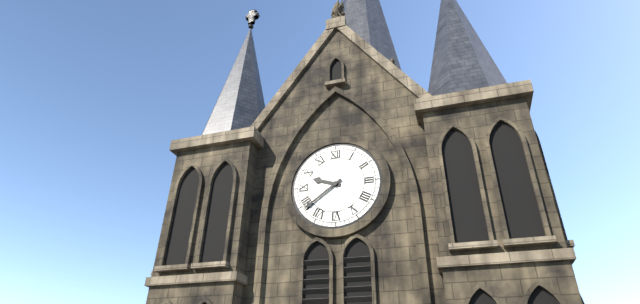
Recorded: 9h39
